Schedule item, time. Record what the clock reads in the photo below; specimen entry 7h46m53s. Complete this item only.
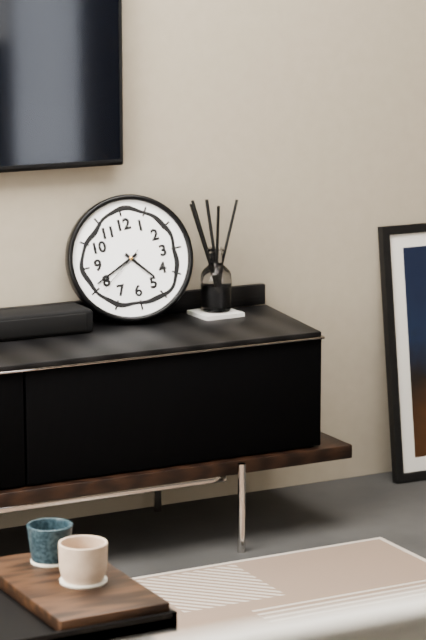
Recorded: 4h41m39s
